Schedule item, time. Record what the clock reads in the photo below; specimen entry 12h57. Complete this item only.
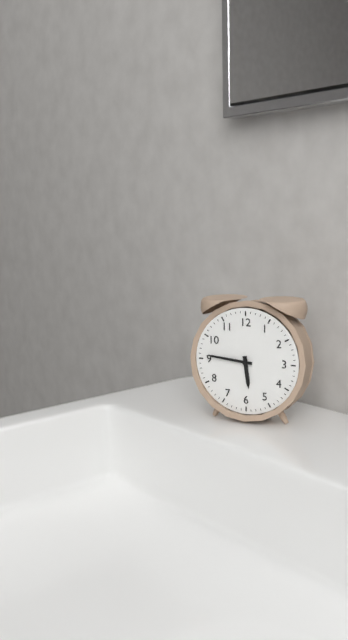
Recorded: 5h46
